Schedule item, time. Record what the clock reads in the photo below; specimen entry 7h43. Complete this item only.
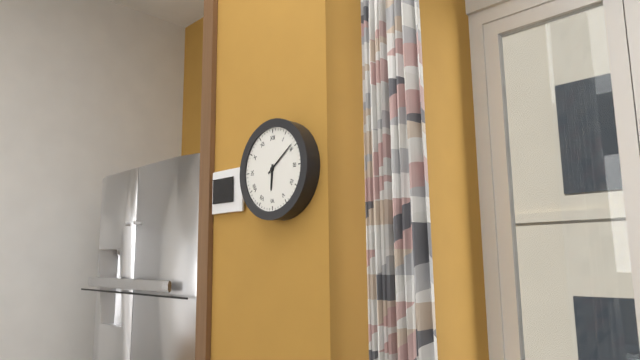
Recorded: 6h09
